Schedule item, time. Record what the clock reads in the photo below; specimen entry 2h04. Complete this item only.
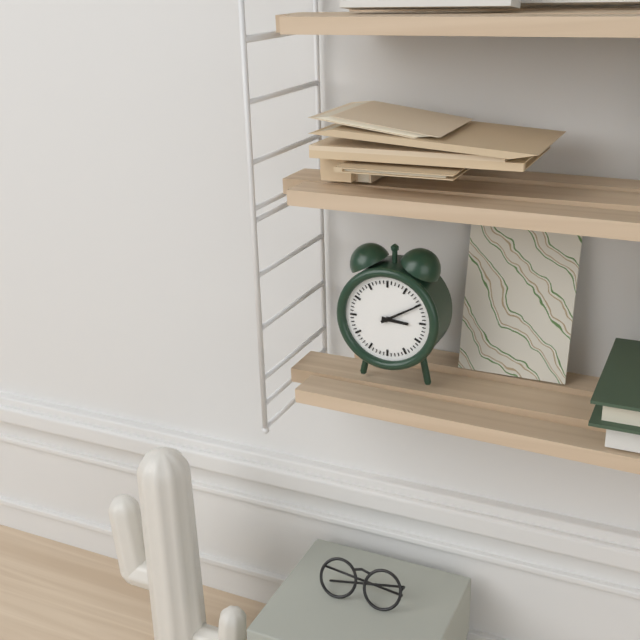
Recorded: 3h10
